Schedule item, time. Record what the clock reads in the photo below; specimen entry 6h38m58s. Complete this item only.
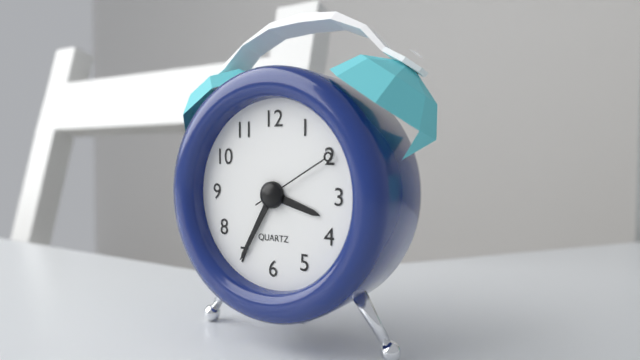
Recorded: 3h35m10s
